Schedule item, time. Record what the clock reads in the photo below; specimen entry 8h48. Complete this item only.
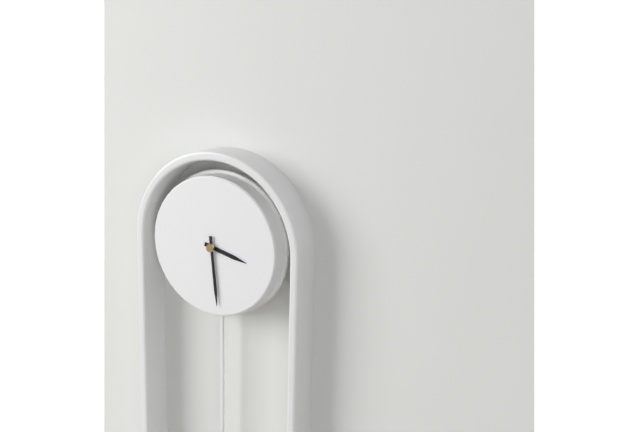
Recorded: 3h29
